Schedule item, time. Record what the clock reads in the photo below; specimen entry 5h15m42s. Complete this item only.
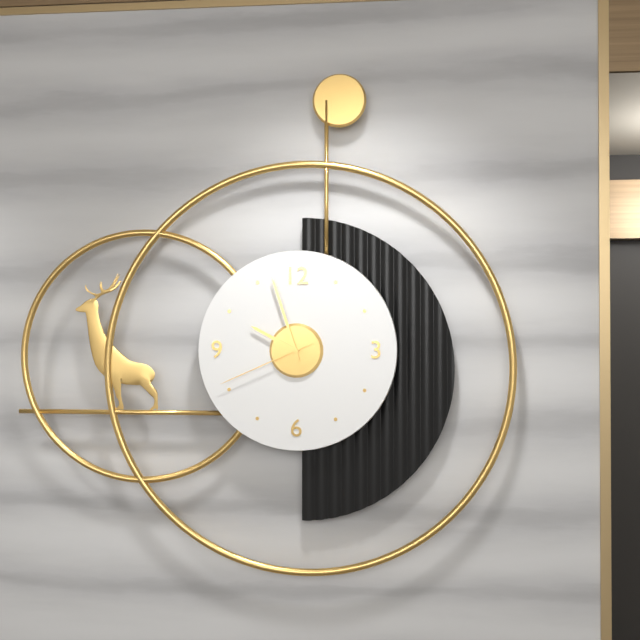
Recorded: 9h57m41s
